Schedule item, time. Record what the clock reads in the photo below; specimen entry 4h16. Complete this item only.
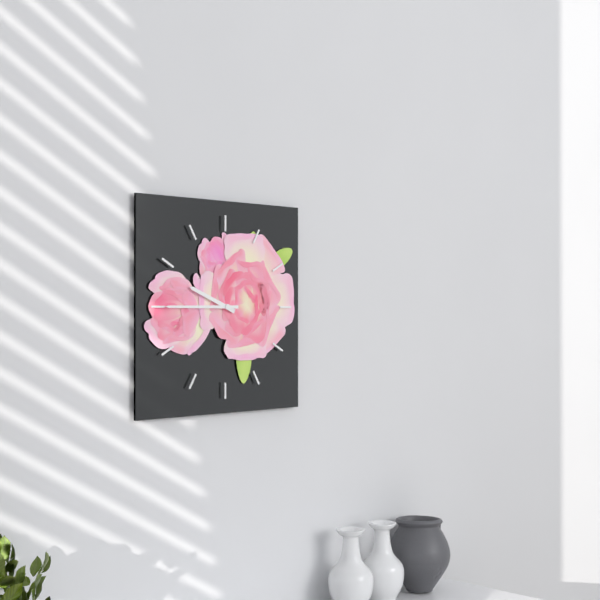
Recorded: 9h45
